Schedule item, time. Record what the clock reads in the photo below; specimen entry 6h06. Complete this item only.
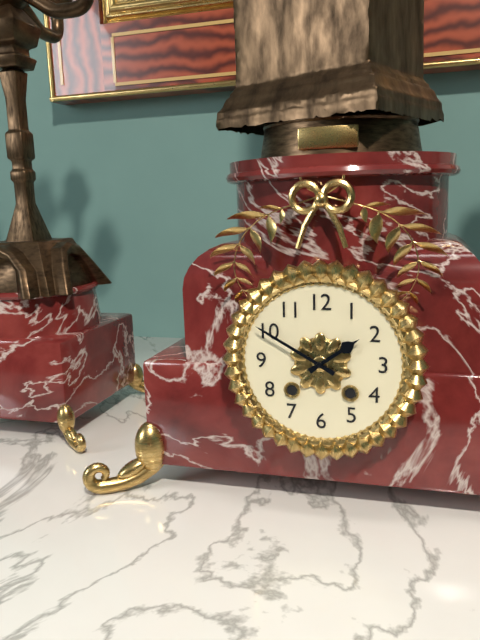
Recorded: 1h50
